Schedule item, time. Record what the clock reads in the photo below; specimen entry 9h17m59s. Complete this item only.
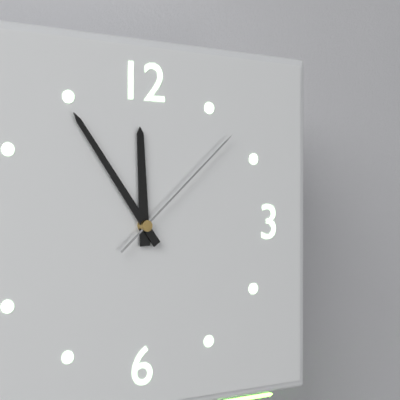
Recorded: 11h54m08s
